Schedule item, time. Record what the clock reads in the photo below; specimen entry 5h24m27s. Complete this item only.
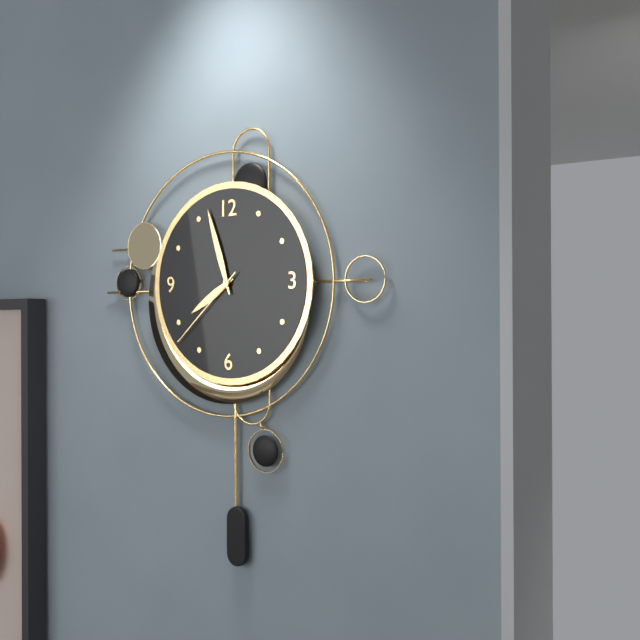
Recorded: 7h57m38s
